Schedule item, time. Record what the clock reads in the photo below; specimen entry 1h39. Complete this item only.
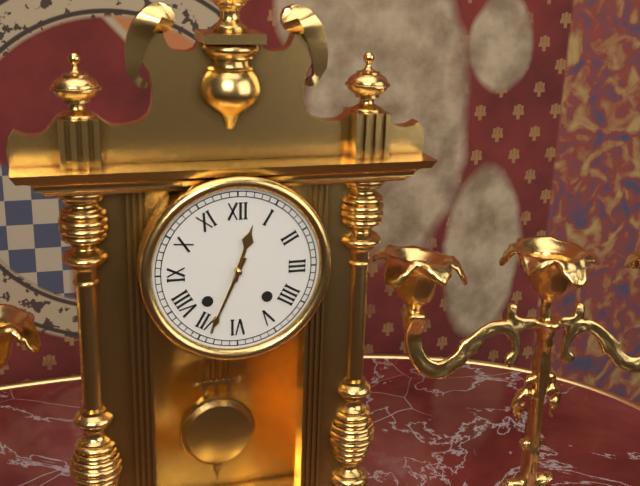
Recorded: 12h34
